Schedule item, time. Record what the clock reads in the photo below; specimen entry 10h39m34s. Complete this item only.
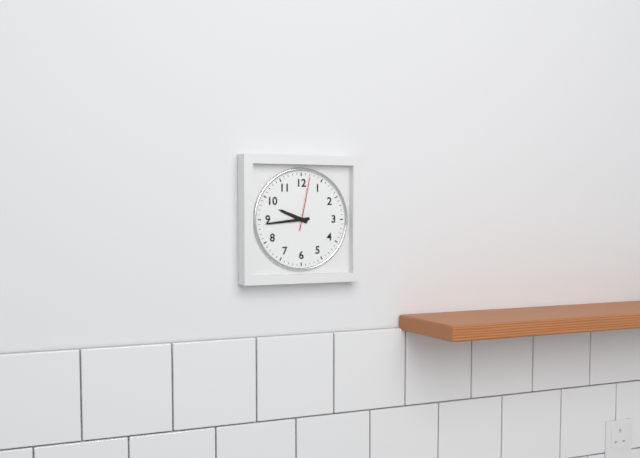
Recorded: 9h44m02s
